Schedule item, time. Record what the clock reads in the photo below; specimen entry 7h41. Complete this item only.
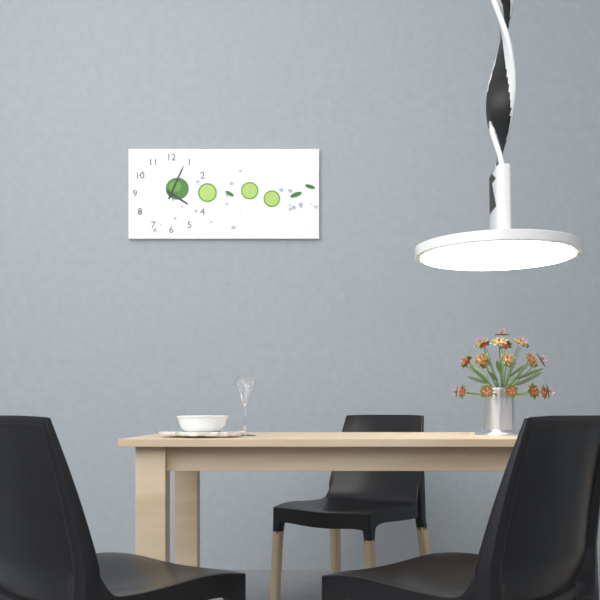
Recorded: 4h04
